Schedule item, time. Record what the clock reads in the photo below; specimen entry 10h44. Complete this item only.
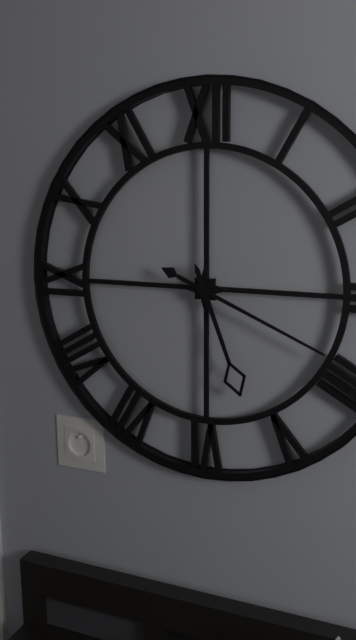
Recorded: 5h19
